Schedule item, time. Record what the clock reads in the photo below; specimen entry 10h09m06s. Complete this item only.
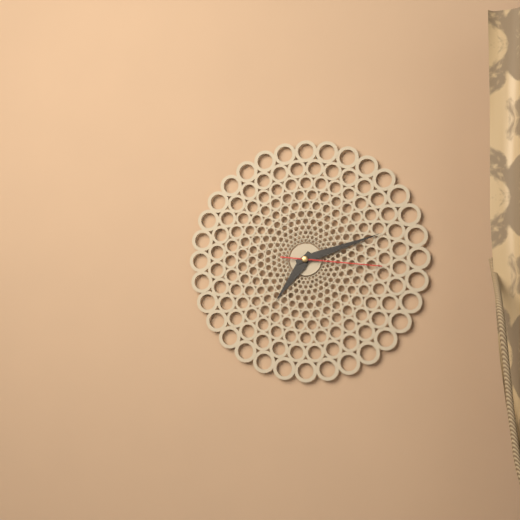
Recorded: 7h12m16s
